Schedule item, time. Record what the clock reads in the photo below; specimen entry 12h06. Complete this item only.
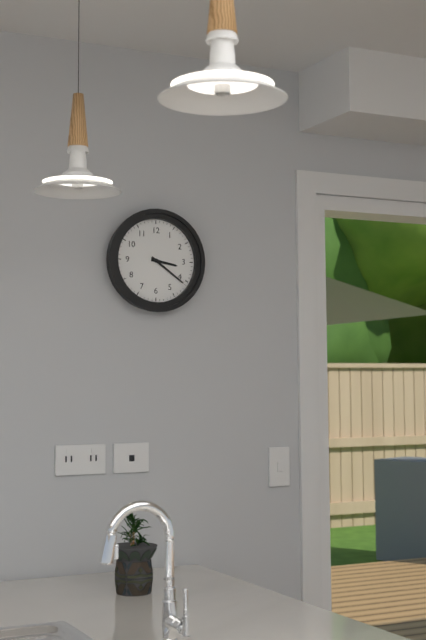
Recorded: 3h21
